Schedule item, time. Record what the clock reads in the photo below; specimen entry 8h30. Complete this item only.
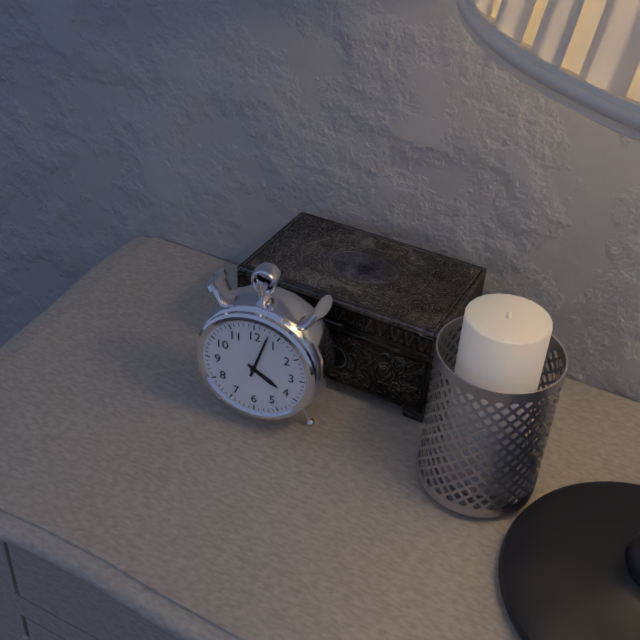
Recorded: 4h03
